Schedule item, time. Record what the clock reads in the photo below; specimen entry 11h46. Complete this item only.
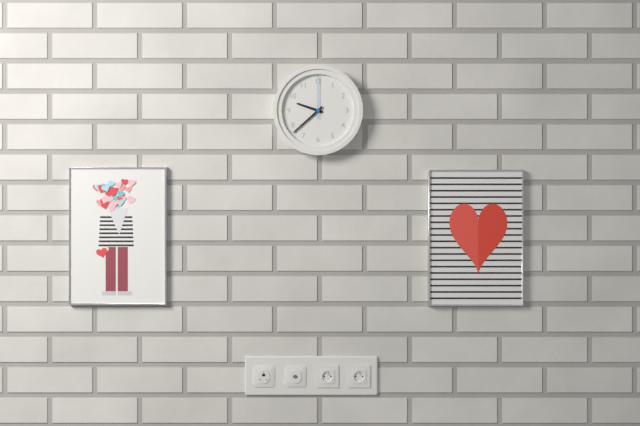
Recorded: 9h38
